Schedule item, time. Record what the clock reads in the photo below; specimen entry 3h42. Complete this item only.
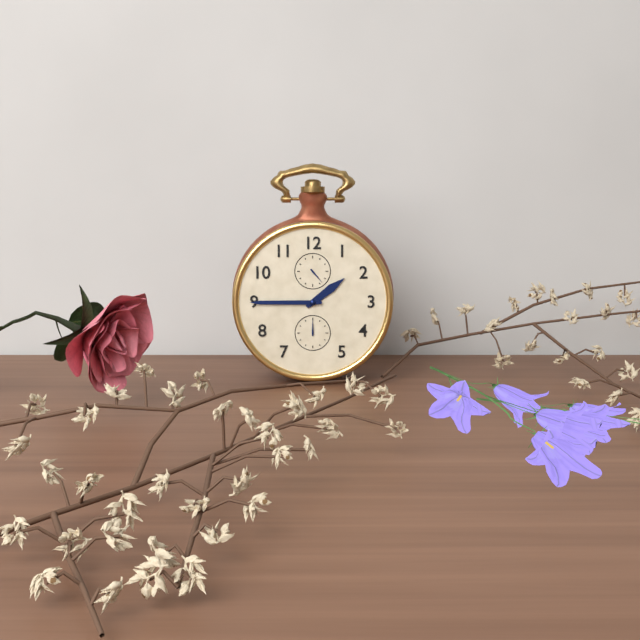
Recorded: 1h45
